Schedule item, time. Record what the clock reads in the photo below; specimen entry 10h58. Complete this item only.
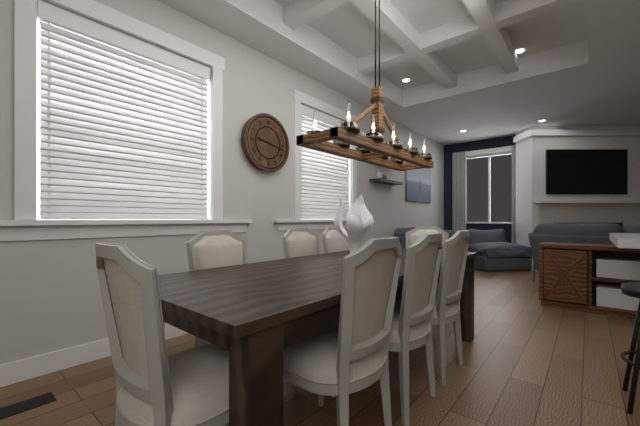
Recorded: 9h17
